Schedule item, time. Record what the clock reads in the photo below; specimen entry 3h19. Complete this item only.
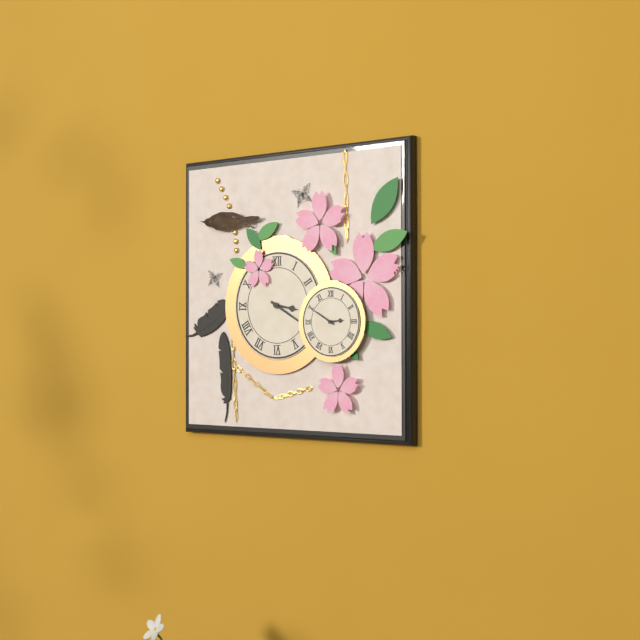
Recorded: 3h20
